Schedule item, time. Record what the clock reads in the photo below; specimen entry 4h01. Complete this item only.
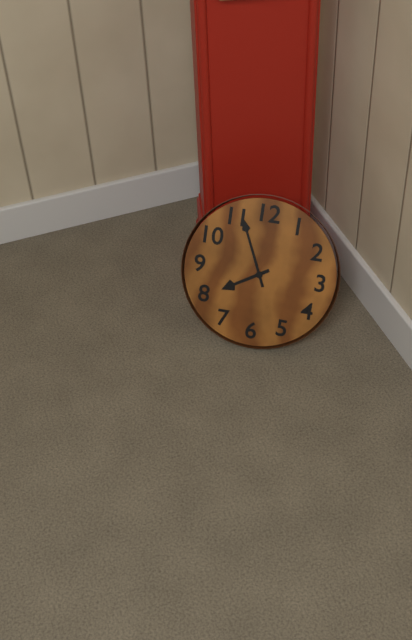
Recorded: 7h56
